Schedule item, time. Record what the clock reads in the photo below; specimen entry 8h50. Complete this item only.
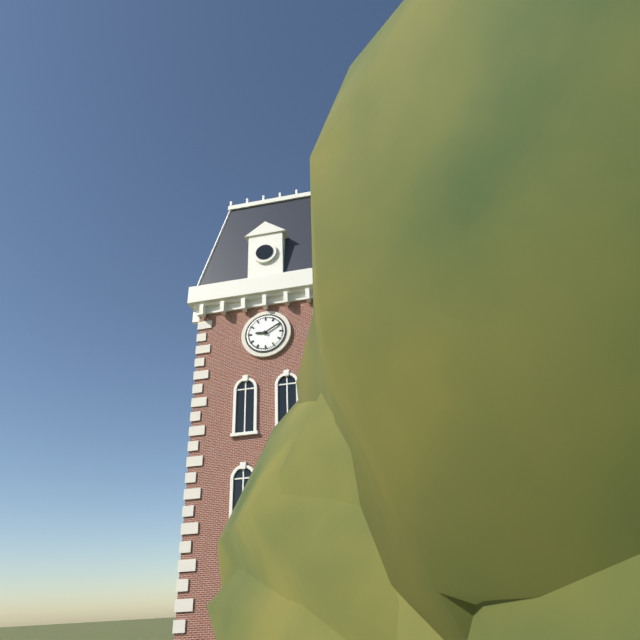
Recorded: 9h10
